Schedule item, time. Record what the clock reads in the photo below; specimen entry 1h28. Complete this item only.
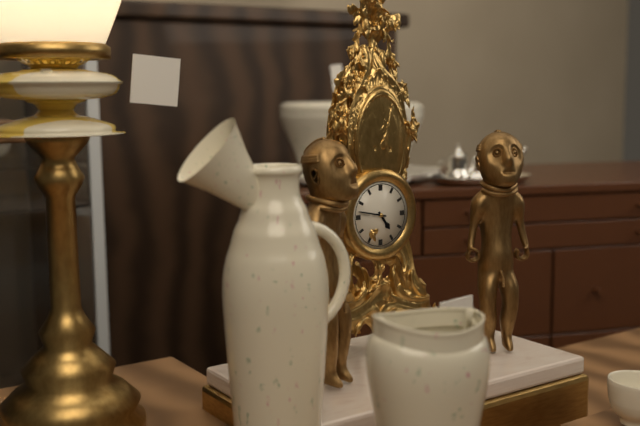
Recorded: 4h47
